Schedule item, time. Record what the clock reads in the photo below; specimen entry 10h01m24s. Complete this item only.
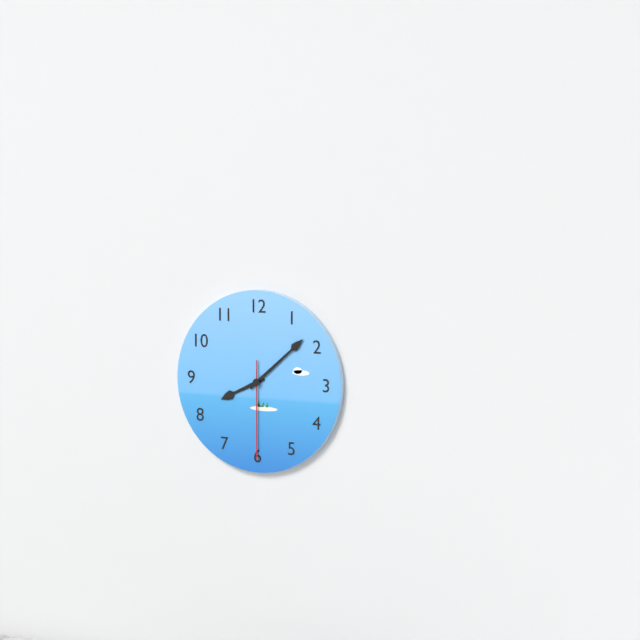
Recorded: 8h08m30s
